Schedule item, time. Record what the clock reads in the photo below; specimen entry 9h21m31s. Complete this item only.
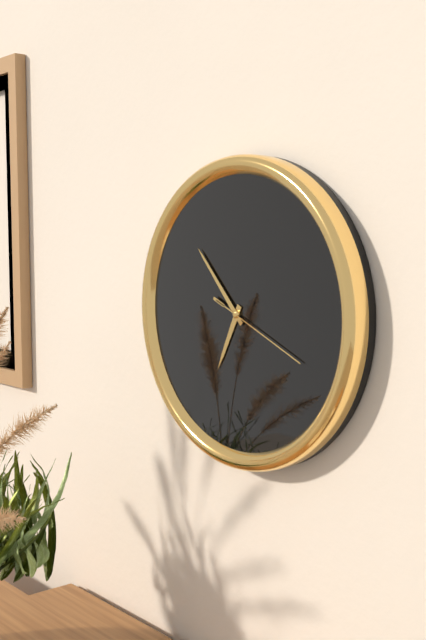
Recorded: 6h53m19s
